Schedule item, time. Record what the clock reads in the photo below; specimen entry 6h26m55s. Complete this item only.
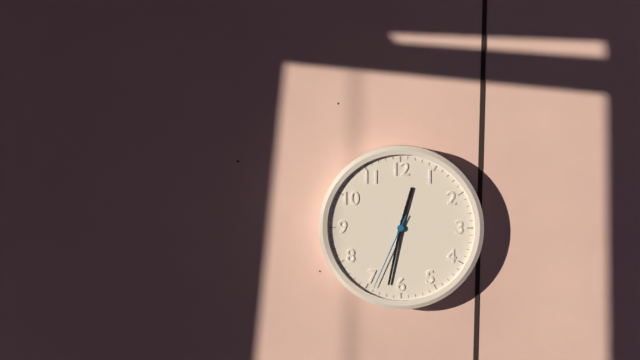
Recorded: 12h32m34s
